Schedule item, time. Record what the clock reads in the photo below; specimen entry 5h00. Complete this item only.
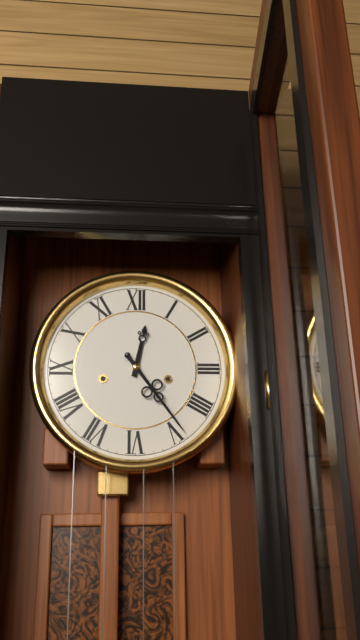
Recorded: 12h24
